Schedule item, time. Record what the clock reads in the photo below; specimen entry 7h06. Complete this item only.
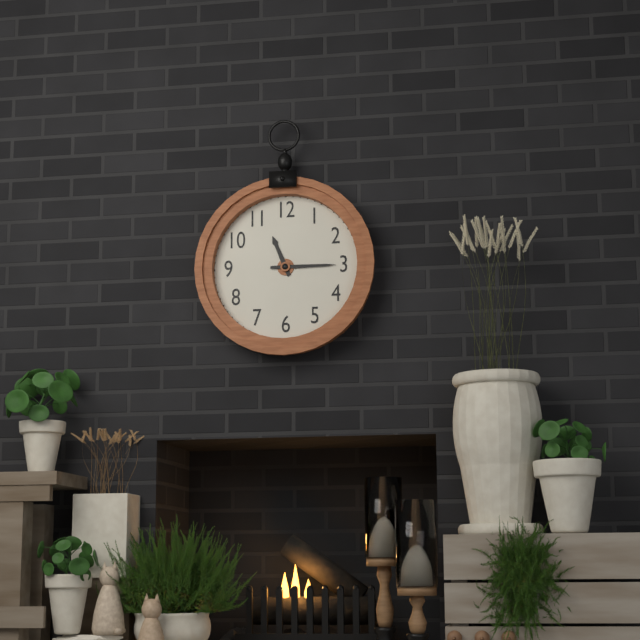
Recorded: 11h15
